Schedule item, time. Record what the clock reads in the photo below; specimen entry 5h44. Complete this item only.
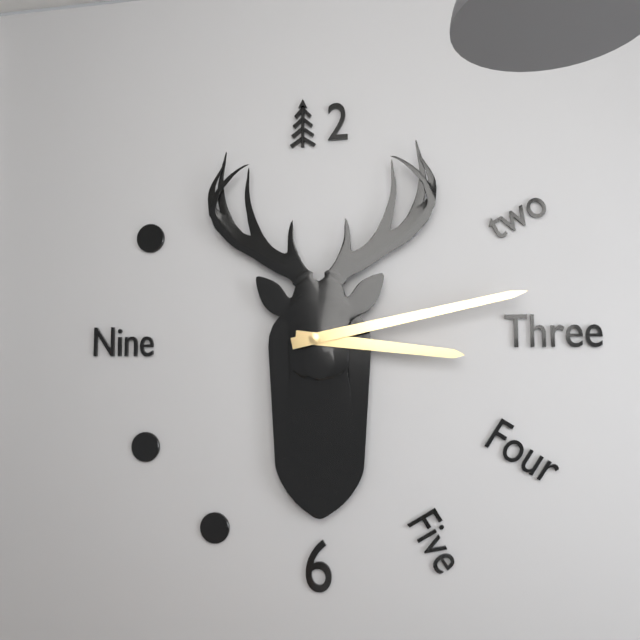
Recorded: 3h13
